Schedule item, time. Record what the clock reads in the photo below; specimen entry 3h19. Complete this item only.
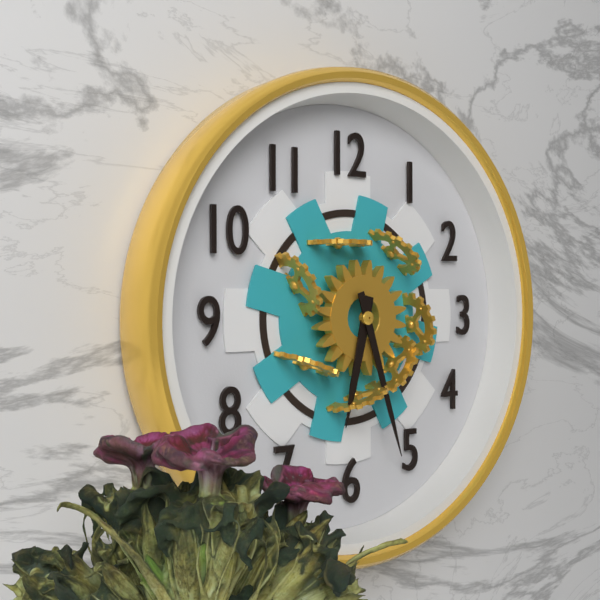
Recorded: 6h27
